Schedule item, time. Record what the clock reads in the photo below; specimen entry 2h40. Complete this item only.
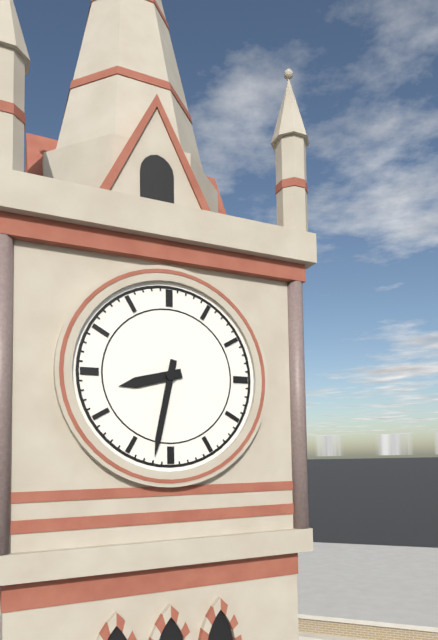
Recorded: 8h32
